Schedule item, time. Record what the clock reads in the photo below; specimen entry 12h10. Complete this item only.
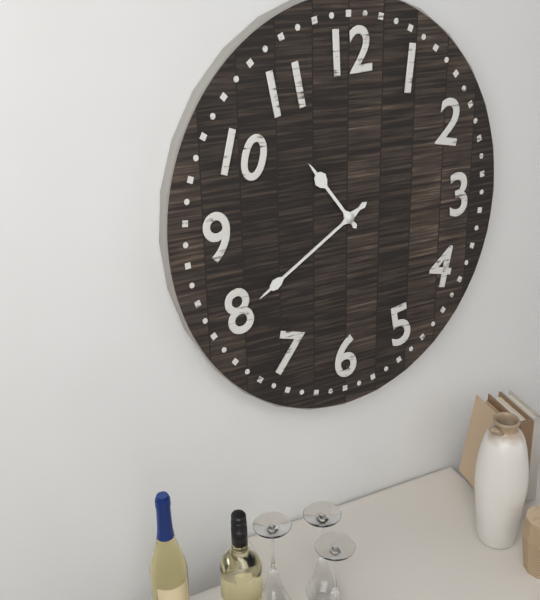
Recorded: 10h40
